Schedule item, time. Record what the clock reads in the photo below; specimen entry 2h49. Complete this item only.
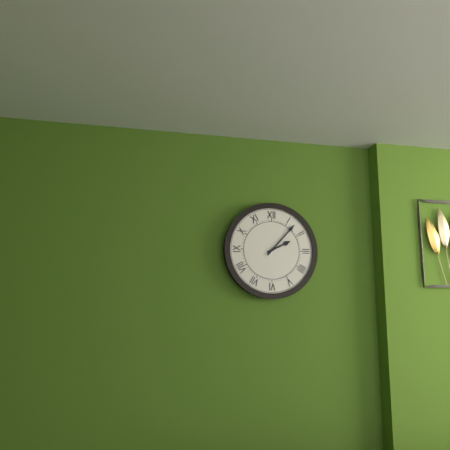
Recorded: 2h07
